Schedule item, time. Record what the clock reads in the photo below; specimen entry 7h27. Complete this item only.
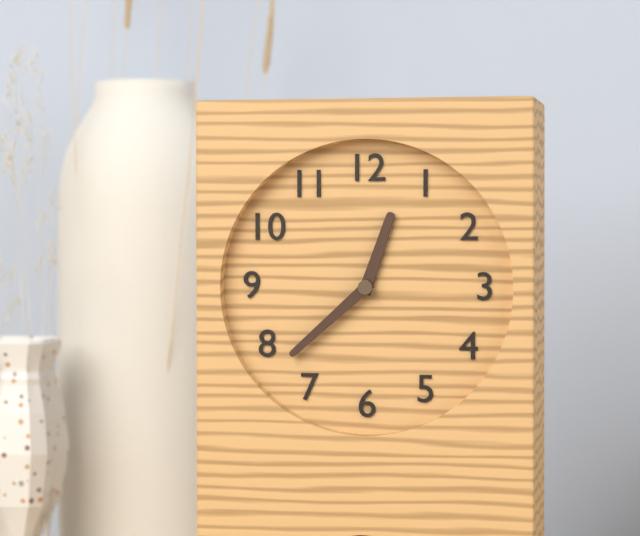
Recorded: 12h38
